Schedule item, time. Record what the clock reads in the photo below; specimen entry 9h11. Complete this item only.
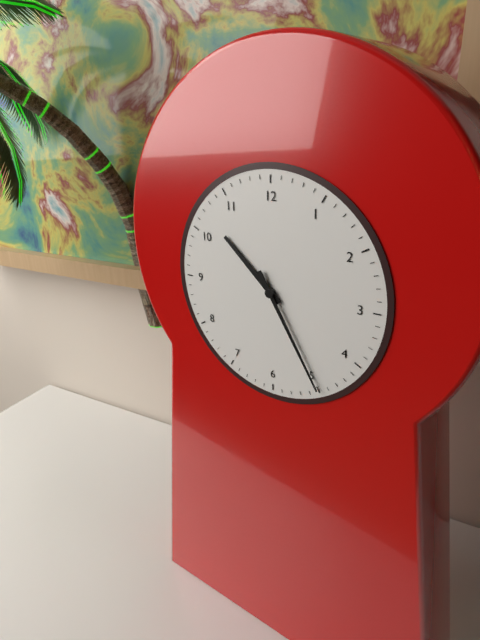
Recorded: 10h25
